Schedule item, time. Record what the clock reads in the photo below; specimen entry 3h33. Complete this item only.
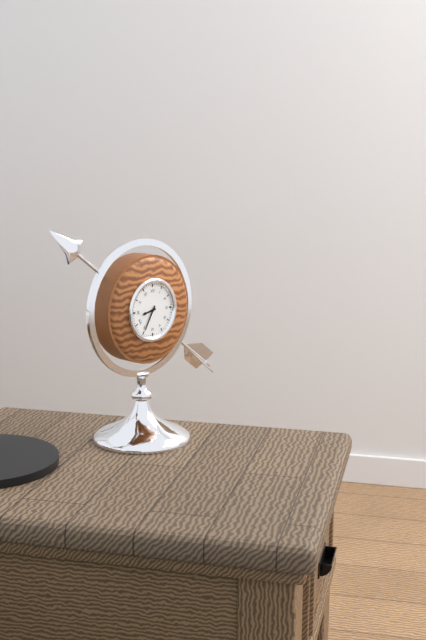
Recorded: 8h35
